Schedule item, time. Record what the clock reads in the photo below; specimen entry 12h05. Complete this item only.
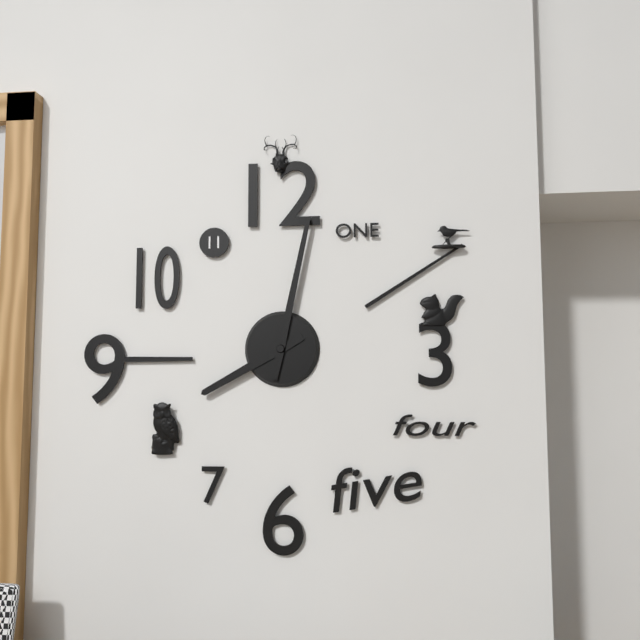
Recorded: 8h02
